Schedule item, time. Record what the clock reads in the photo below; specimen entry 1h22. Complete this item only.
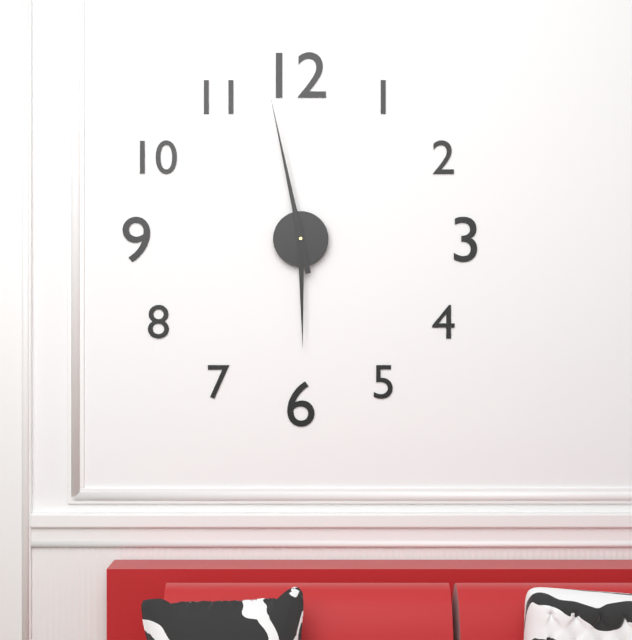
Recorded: 5h58
